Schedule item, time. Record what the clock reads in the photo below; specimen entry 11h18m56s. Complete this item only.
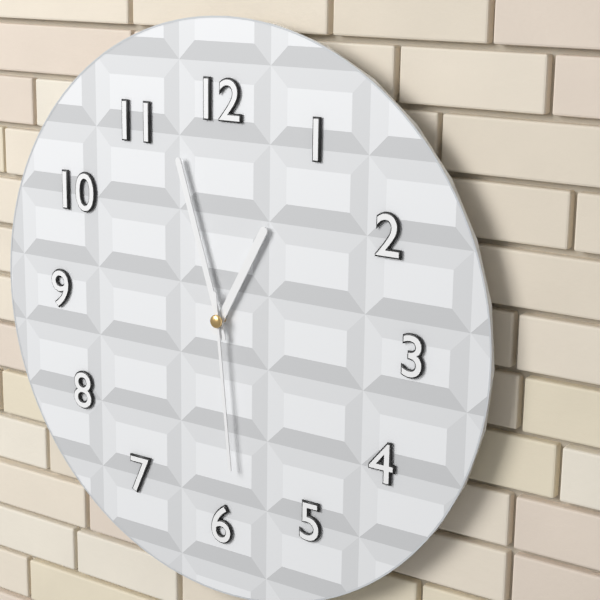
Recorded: 12h57m29s
